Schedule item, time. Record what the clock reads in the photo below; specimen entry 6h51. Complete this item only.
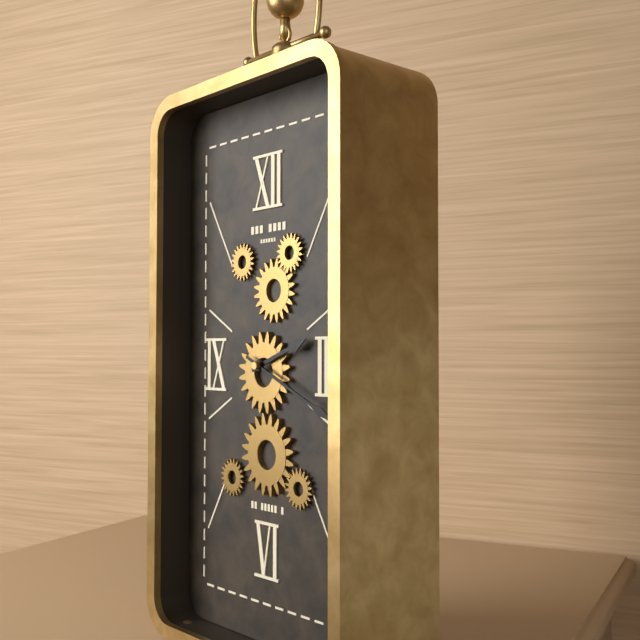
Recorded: 2h19
